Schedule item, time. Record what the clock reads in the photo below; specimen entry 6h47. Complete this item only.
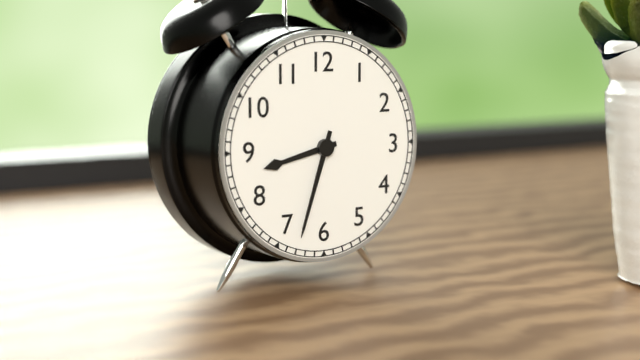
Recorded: 8h33
